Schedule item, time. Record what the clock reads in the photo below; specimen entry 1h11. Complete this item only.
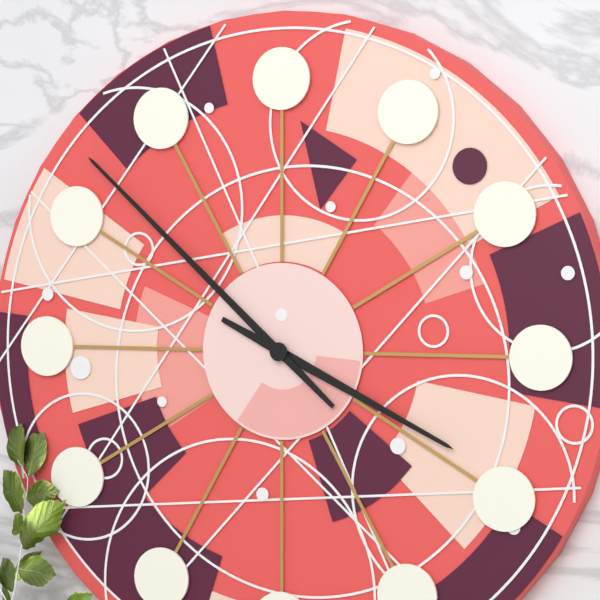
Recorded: 3h52
